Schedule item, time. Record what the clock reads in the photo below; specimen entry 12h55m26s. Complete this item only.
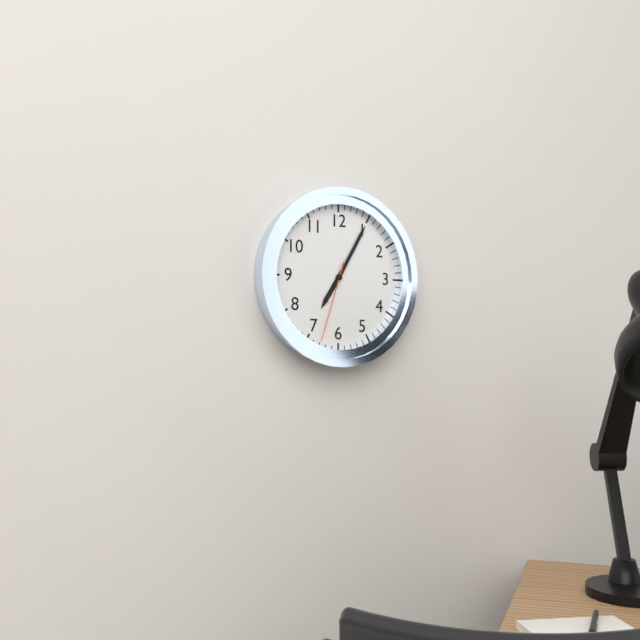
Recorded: 7h05m33s
